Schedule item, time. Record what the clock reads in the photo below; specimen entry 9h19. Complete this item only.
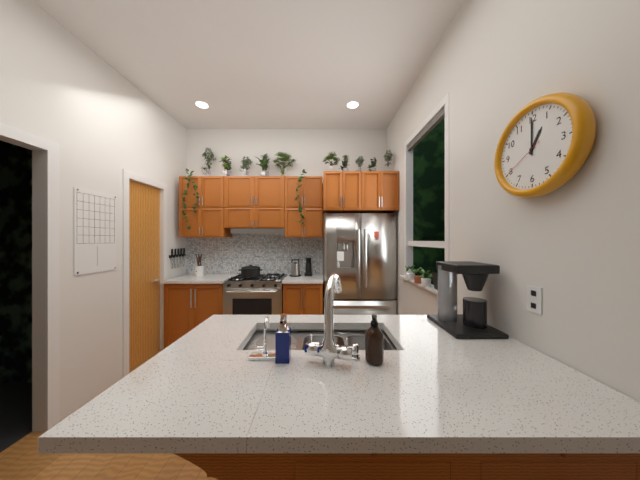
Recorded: 1h00
